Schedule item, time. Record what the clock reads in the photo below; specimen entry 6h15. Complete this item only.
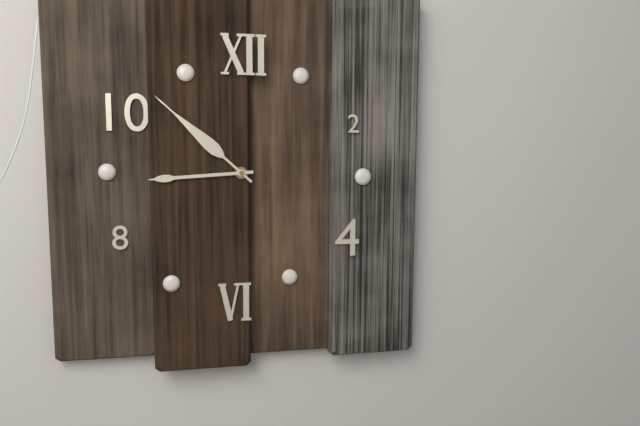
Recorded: 8h52
